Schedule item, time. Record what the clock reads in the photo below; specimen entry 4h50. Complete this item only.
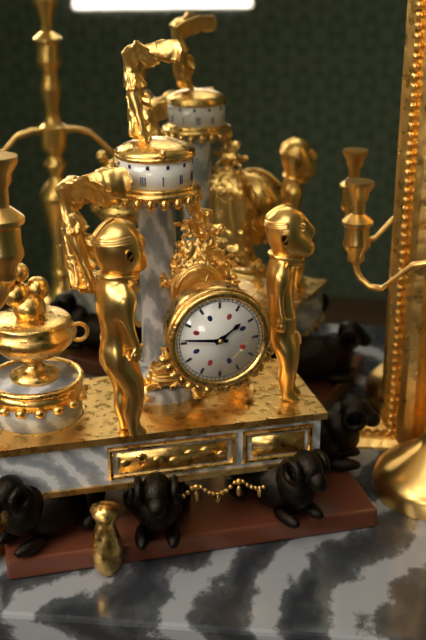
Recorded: 1h46
